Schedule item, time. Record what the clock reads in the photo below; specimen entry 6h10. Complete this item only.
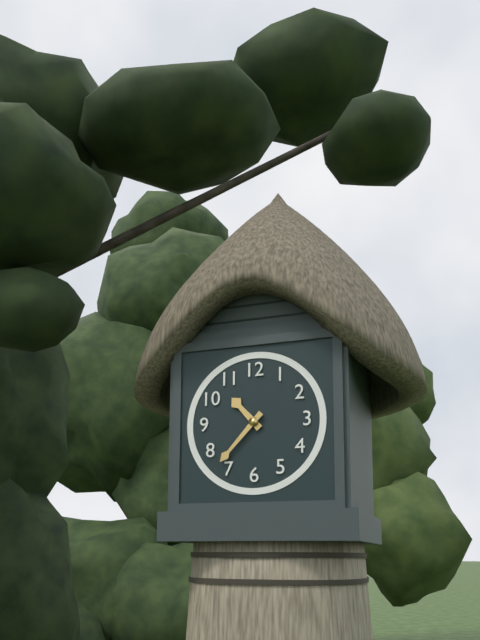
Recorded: 10h37
